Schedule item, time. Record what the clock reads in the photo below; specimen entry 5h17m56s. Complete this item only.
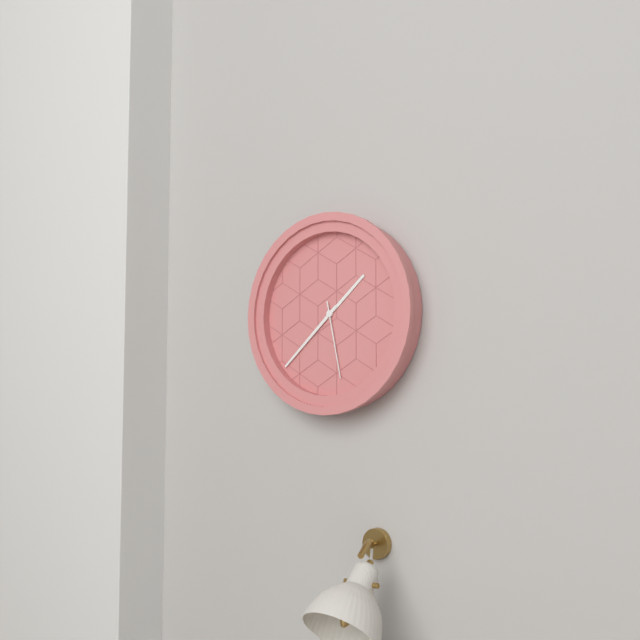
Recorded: 1h38m28s
